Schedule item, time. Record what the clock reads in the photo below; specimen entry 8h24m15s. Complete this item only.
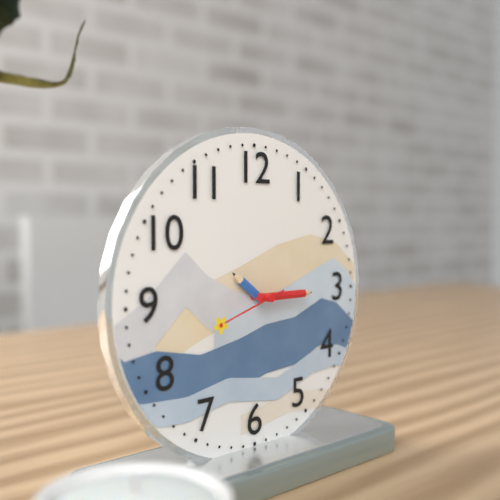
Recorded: 10h15m42s
